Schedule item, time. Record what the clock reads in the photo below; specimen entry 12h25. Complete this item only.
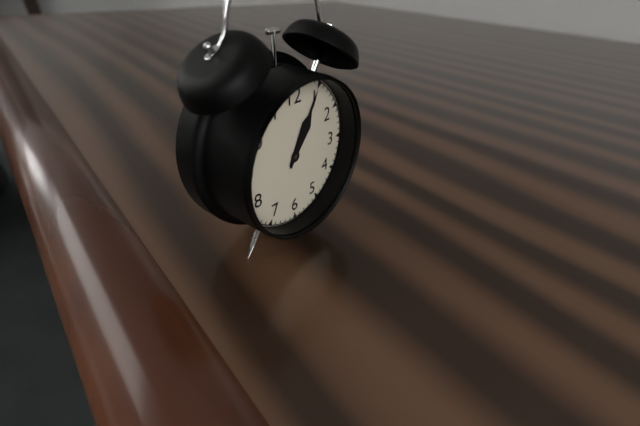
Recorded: 1h05
